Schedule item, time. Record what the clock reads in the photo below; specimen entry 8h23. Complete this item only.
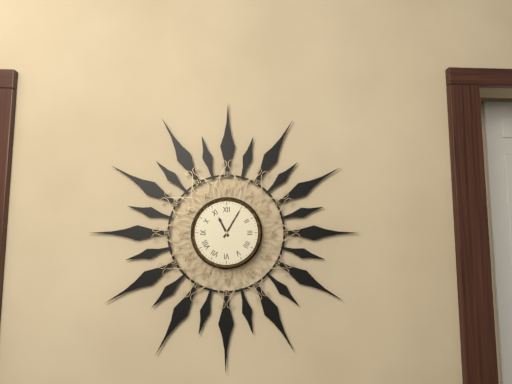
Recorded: 11h05
